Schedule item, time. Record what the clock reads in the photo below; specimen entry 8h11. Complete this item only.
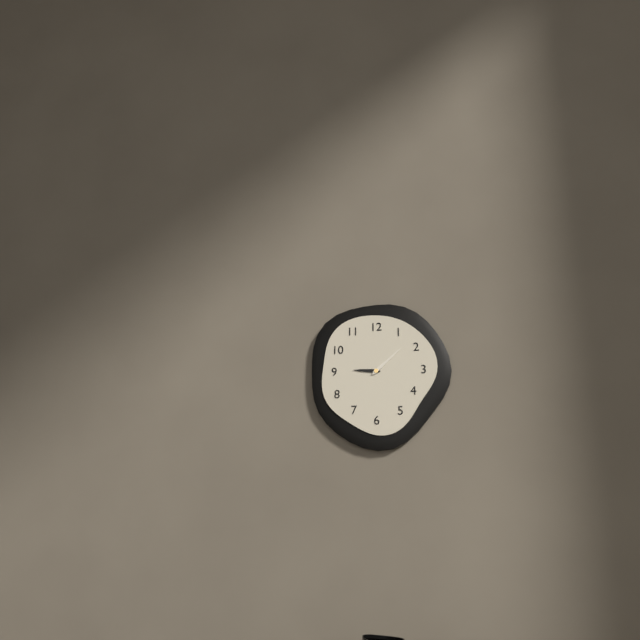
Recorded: 9h08
